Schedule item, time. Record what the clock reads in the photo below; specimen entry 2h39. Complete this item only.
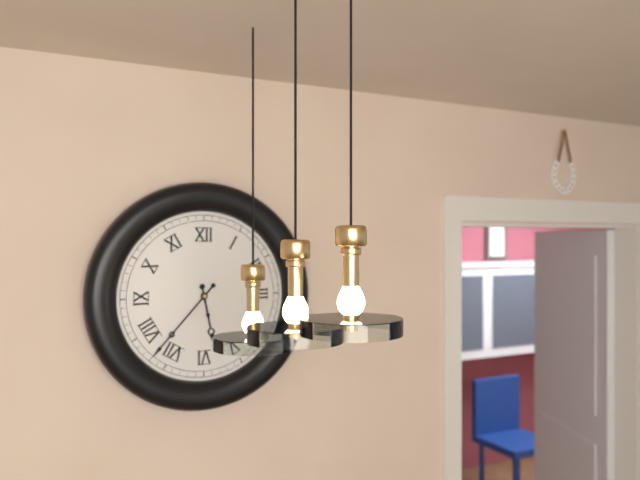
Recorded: 5h37
